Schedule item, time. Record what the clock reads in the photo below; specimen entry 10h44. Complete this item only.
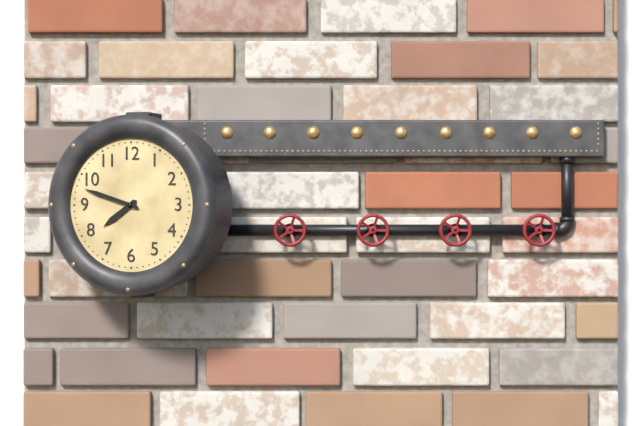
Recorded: 7h48
